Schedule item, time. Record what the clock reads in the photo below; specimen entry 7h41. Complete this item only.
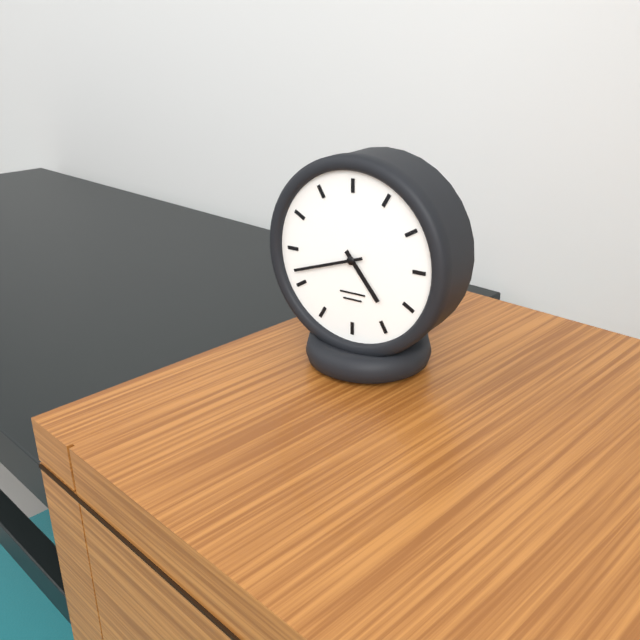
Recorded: 4h42
